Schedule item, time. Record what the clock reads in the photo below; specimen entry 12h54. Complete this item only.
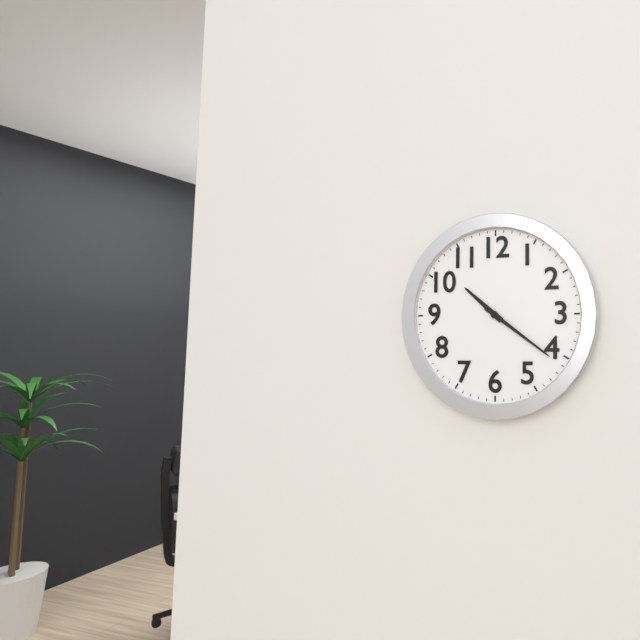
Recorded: 10h21
